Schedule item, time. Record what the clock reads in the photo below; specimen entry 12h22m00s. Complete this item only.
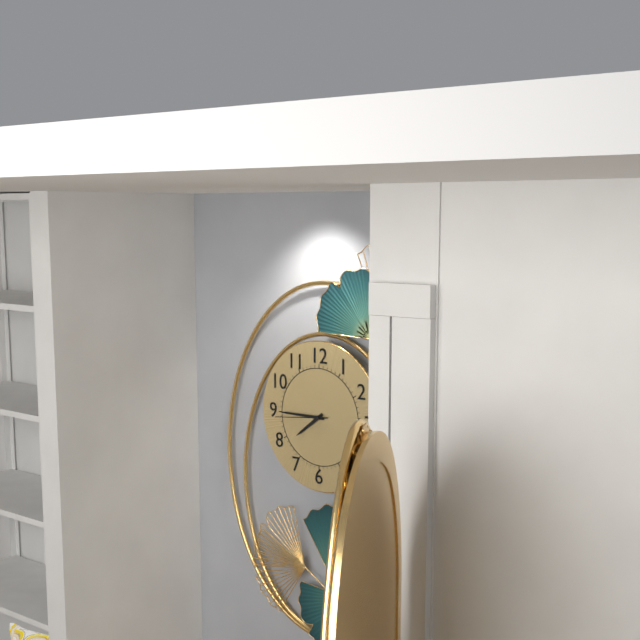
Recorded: 7h45m44s
